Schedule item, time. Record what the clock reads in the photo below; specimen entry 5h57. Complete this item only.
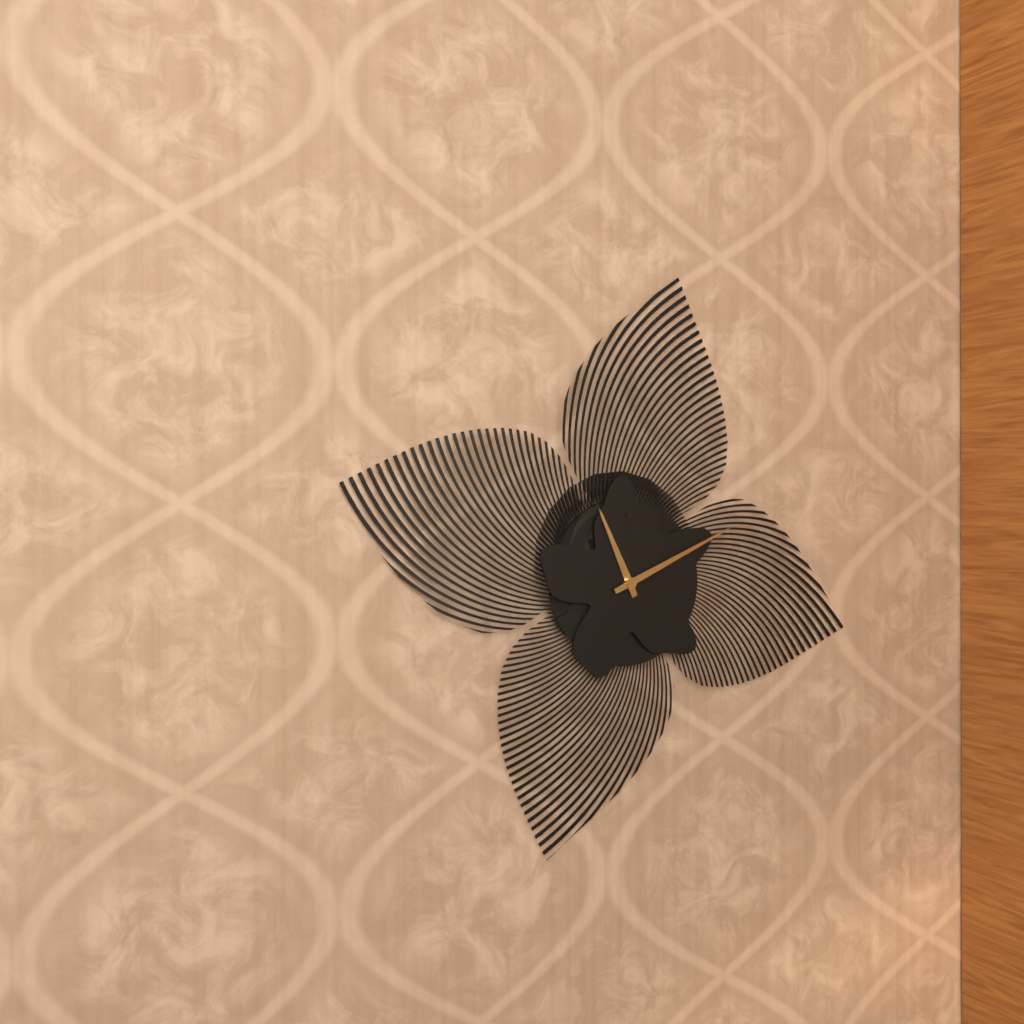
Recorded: 11h11
